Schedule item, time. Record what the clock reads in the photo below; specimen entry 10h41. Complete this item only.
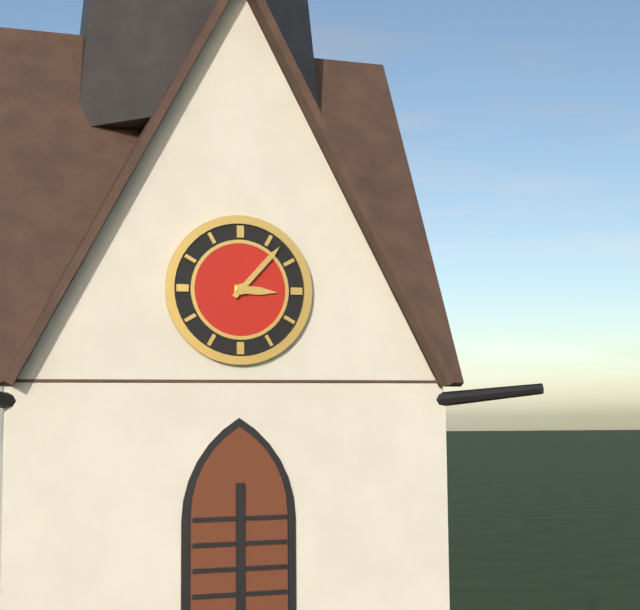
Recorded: 3h07
